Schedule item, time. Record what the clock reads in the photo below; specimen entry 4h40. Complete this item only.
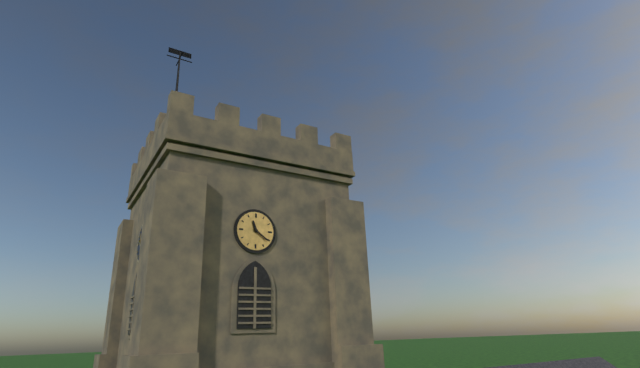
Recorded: 11h21
